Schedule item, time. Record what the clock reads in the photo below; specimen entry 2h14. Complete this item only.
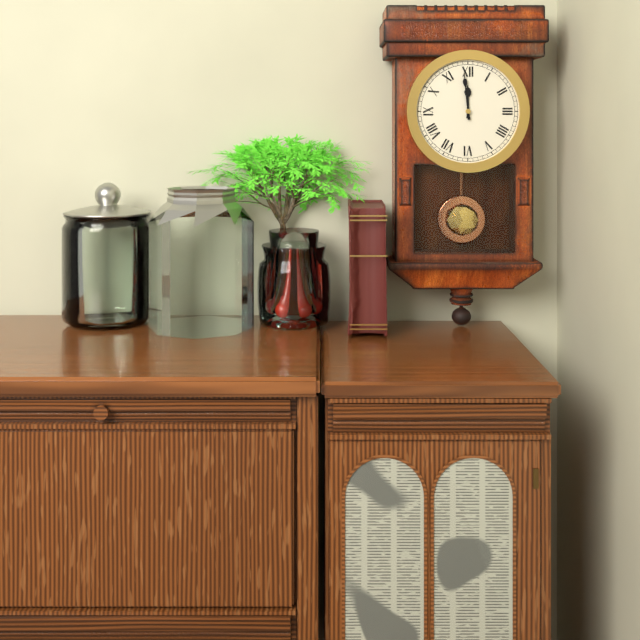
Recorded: 11h59
